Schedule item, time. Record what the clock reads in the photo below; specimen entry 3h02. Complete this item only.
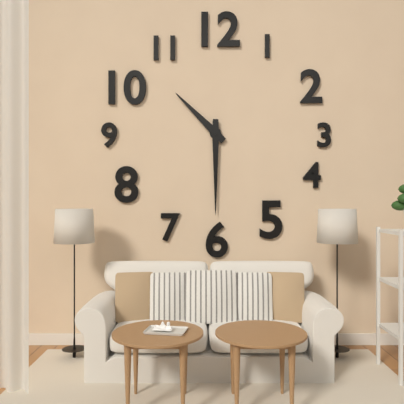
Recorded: 10h30
